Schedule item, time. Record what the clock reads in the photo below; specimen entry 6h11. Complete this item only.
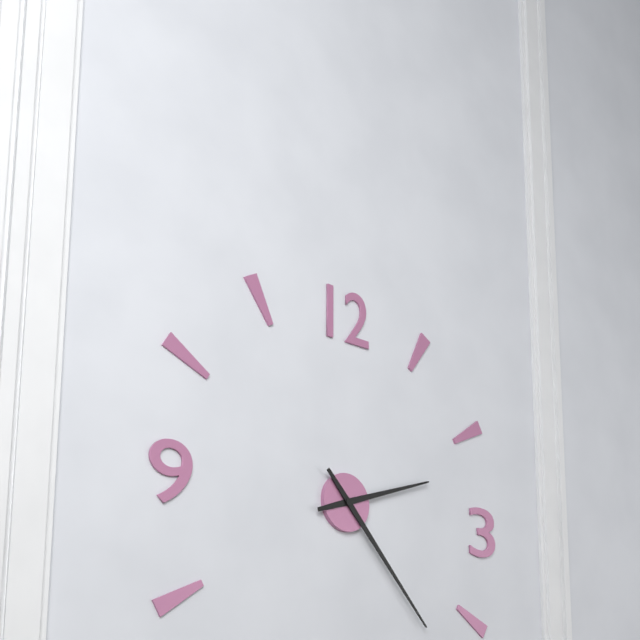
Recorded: 2h23
